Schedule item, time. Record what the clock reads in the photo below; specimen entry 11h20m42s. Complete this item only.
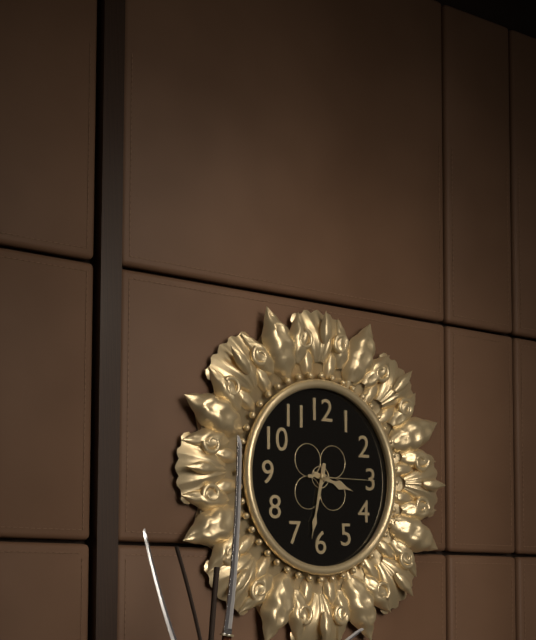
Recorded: 3h32m15s
